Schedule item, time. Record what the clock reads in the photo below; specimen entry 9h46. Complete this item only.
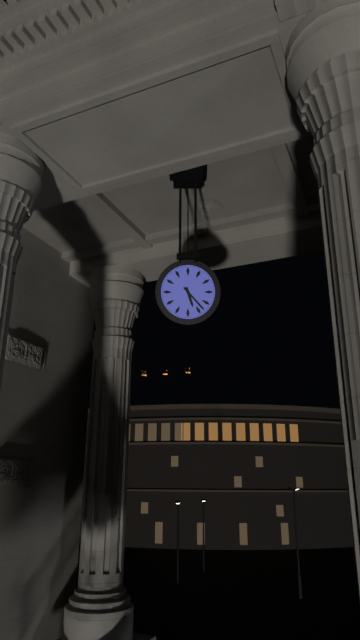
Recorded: 5h23
